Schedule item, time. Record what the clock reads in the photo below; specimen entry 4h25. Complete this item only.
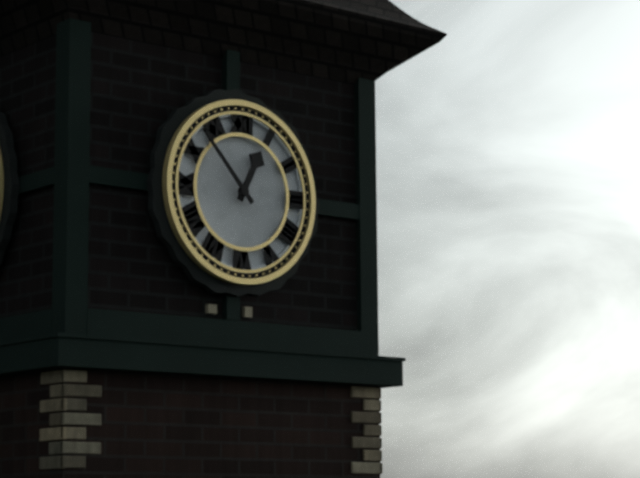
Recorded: 12h53
